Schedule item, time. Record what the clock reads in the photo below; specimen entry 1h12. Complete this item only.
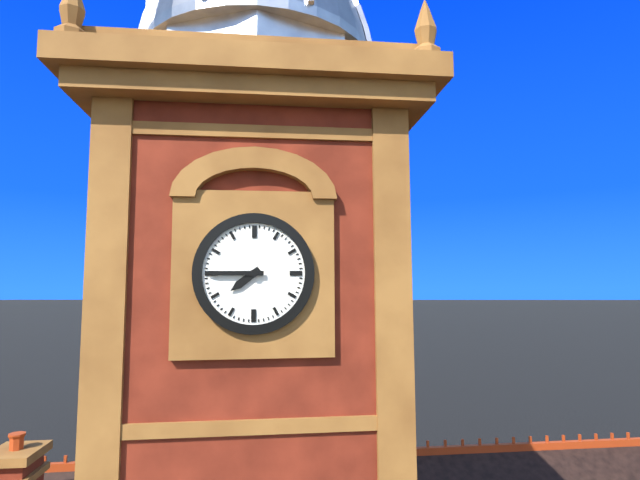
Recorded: 7h45
